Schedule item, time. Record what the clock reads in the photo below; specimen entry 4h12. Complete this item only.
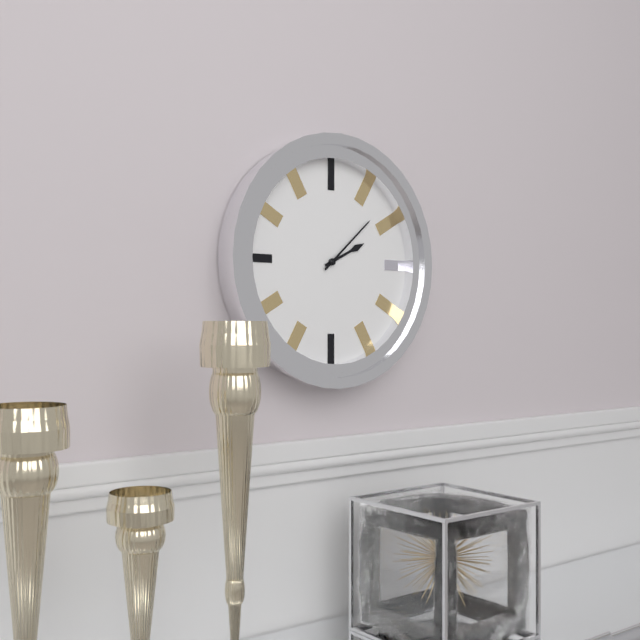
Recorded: 2h08
